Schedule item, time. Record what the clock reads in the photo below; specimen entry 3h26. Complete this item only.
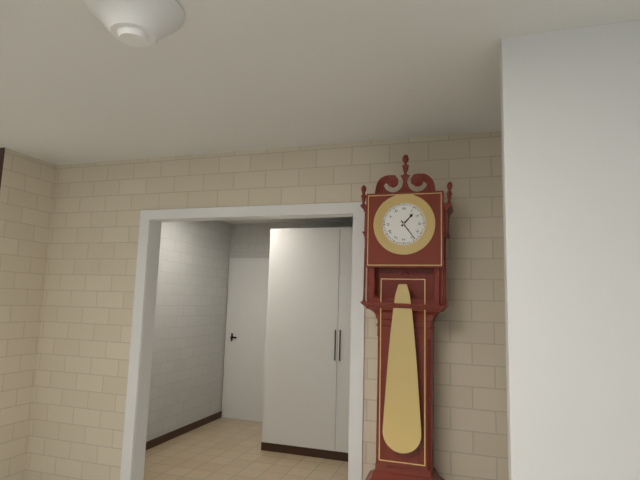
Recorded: 1h24
